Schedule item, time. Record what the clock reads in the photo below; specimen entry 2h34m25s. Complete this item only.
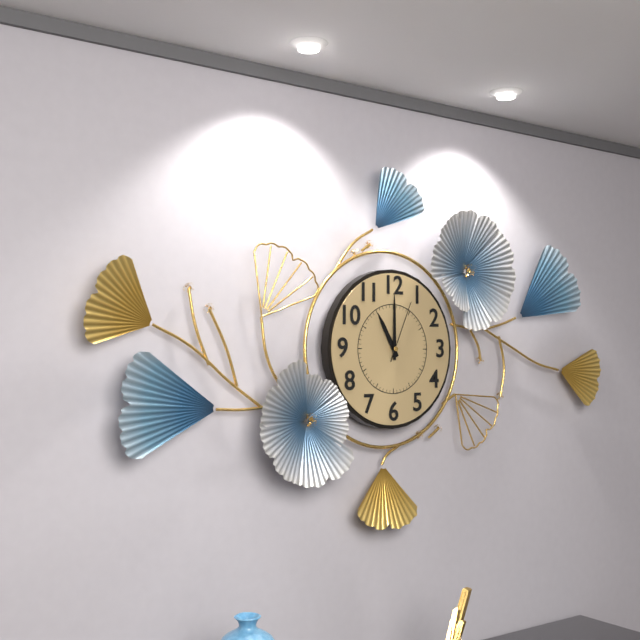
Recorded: 11h00m04s
